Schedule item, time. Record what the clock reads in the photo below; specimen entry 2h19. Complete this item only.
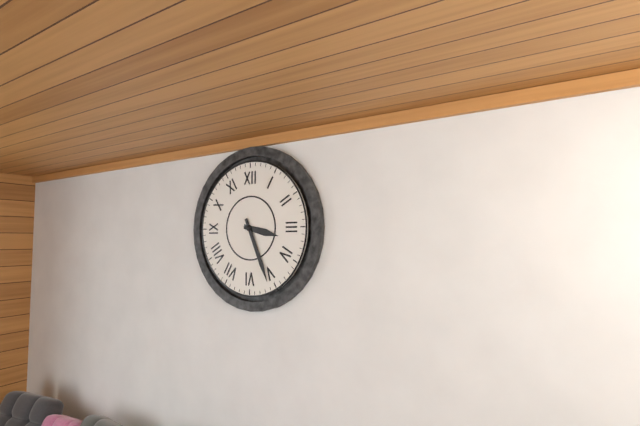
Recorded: 3h26
